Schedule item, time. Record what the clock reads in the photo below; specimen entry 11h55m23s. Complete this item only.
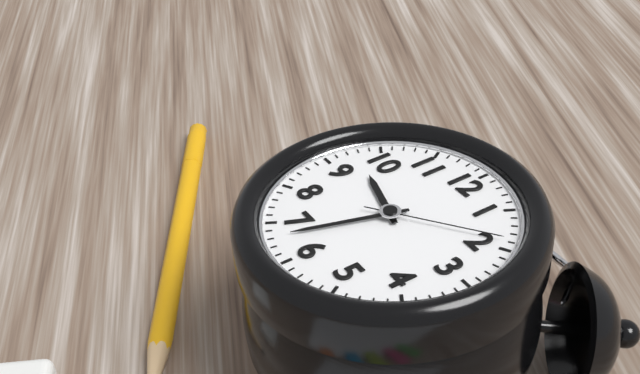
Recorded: 9h33m09s
